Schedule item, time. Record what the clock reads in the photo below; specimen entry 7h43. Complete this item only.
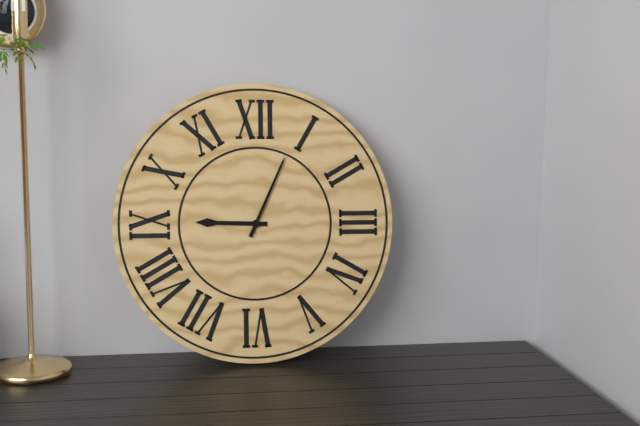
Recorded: 9h04
